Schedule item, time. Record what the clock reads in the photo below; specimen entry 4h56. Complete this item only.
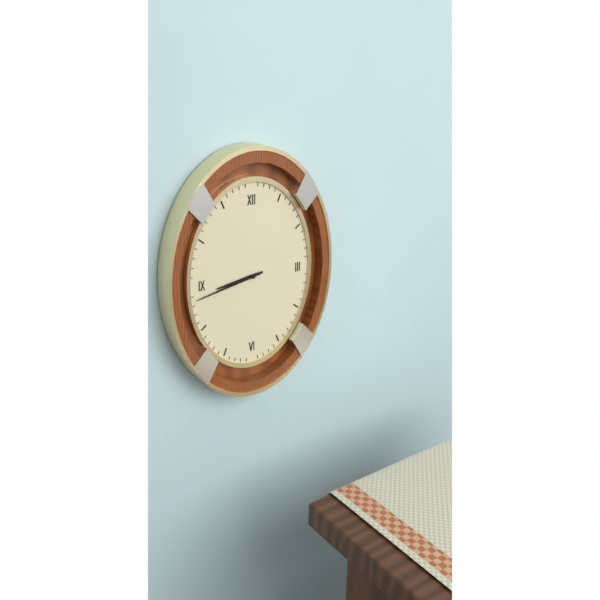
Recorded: 8h43
